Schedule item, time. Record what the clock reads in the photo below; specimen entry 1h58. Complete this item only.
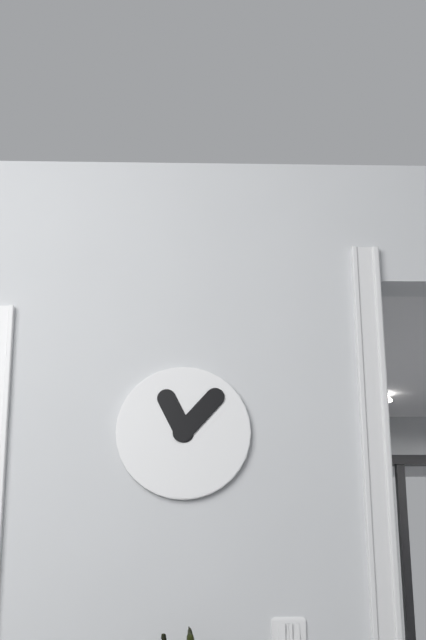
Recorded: 11h07
